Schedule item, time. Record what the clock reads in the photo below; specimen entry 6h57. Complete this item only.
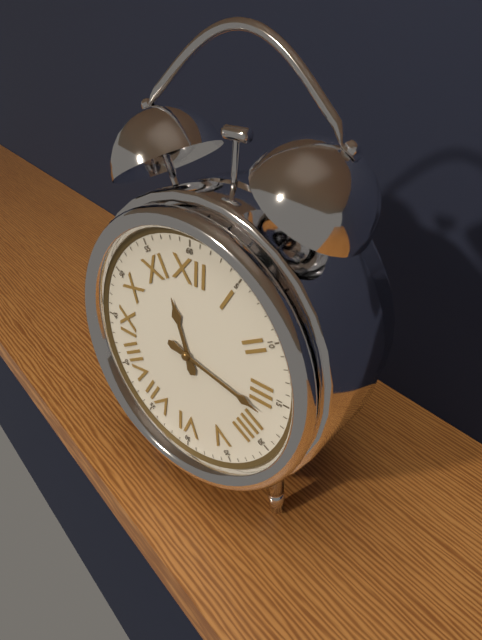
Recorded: 11h17
